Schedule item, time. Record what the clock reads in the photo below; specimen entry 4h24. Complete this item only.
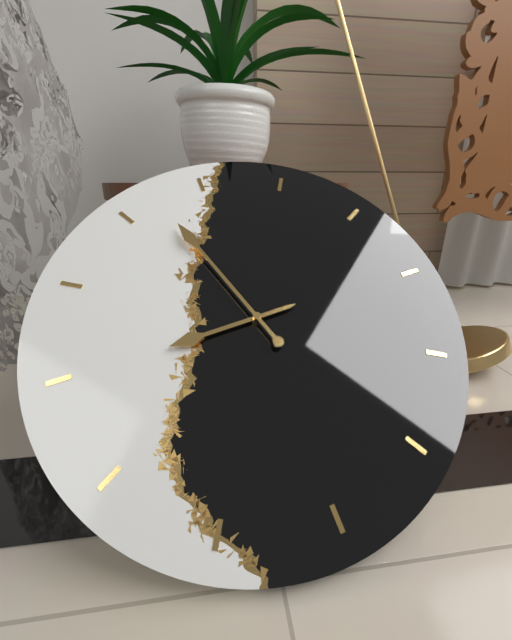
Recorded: 8h57
